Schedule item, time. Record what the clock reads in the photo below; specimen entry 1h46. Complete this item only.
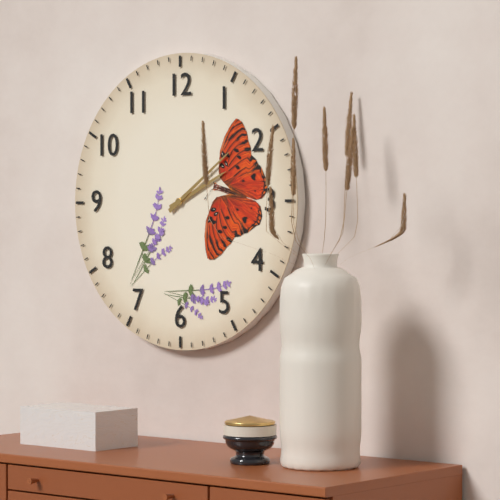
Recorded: 2h09
